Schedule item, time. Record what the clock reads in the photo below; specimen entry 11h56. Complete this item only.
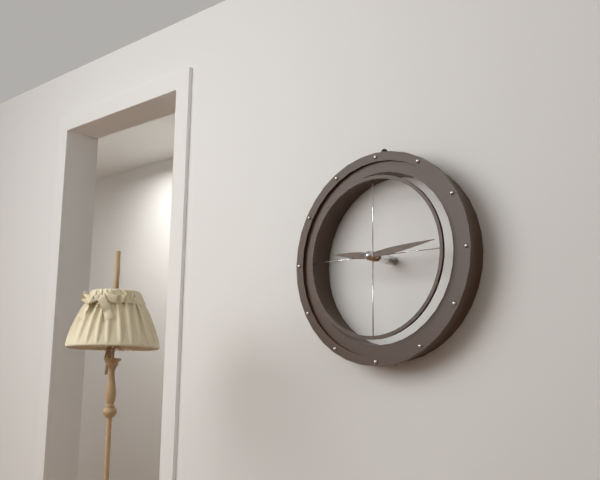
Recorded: 9h14
